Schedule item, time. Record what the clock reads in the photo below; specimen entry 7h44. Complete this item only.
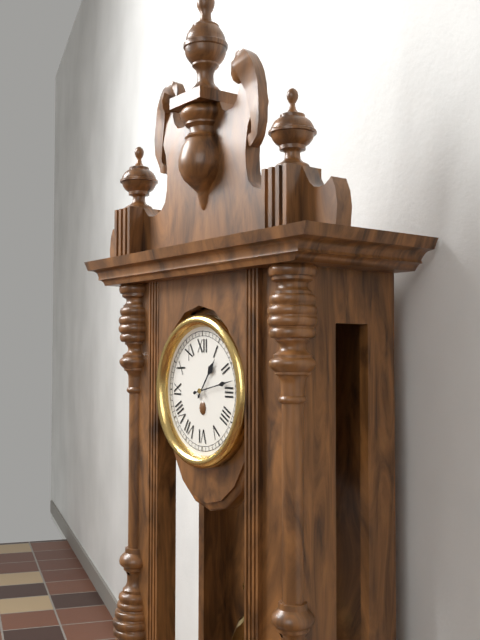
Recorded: 1h13
